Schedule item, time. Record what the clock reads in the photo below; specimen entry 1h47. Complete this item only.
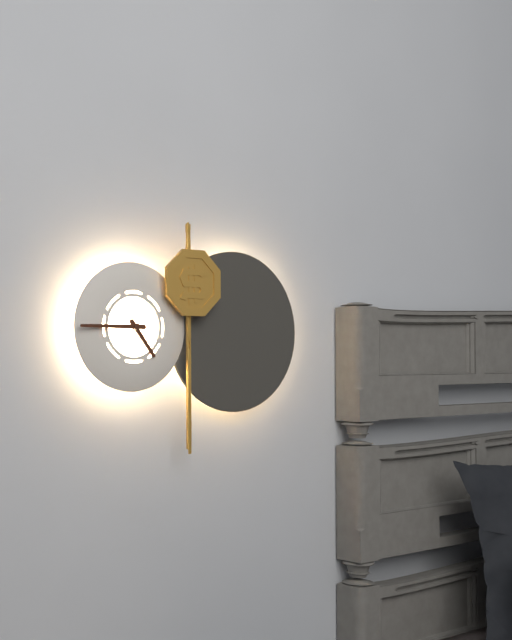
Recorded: 4h45
